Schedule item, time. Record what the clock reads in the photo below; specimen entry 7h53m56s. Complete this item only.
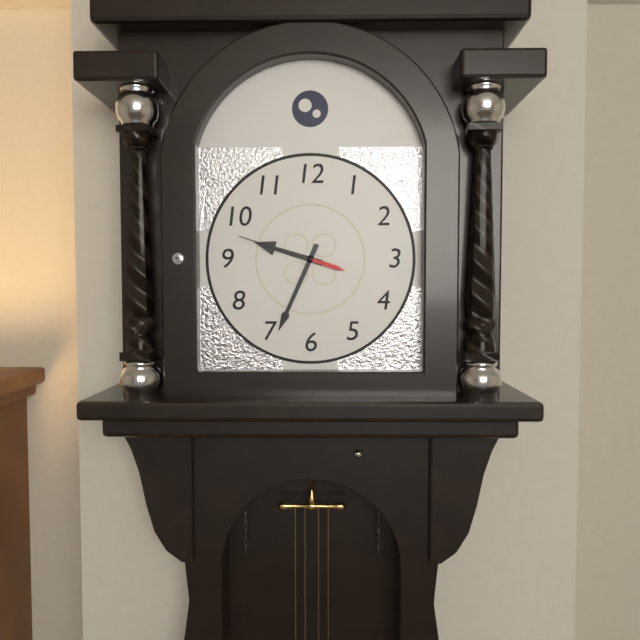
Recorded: 9h34m48s
